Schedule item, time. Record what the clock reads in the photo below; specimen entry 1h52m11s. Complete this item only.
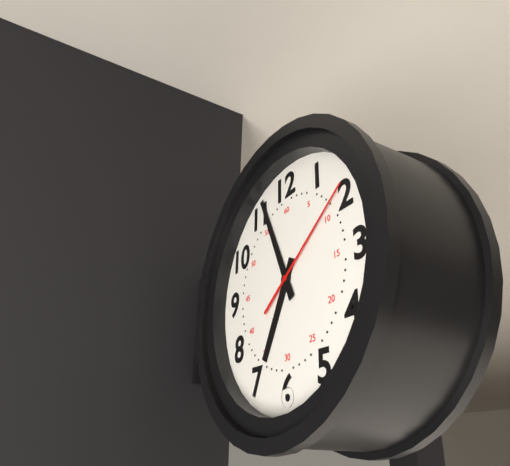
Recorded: 6h56m09s
